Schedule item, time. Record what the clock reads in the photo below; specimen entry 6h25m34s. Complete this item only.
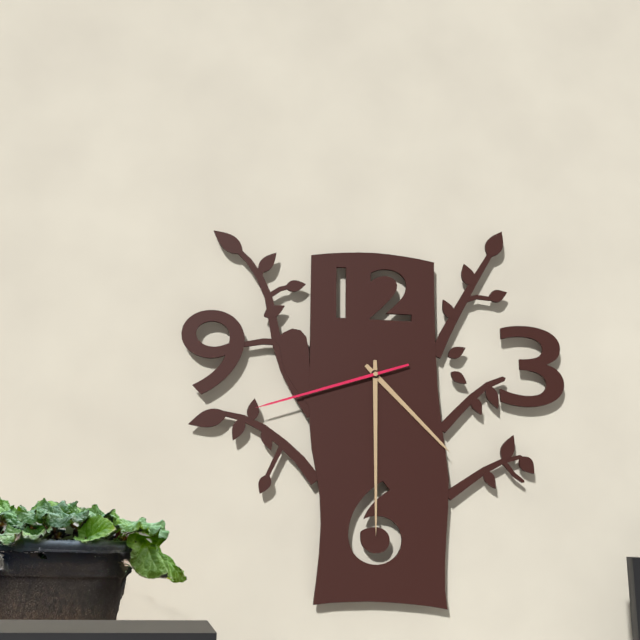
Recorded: 4h30m42s
